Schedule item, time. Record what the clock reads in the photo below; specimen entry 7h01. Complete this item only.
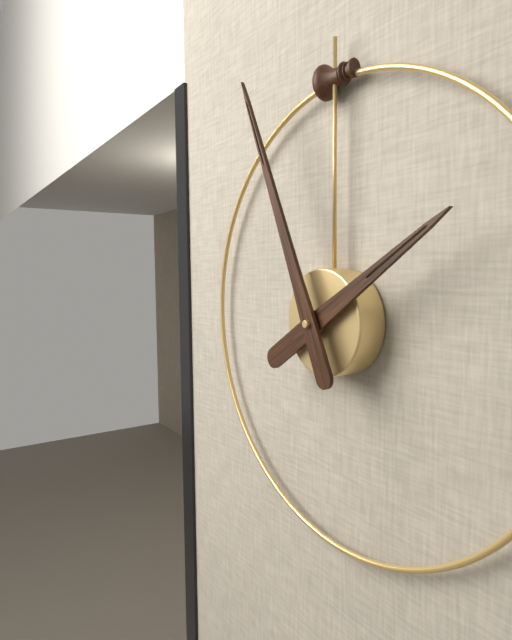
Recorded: 1h56
